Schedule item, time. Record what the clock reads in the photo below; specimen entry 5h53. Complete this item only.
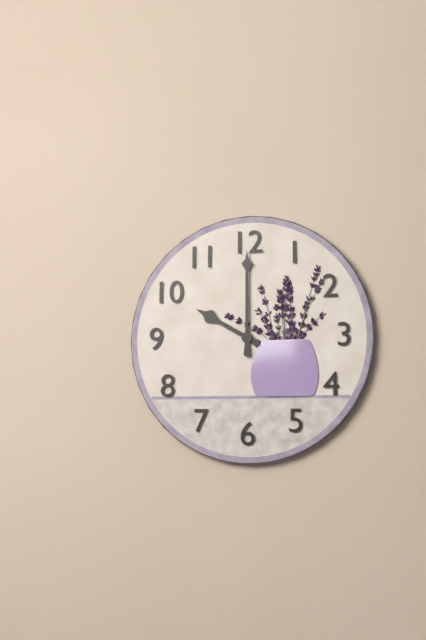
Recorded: 10h00
